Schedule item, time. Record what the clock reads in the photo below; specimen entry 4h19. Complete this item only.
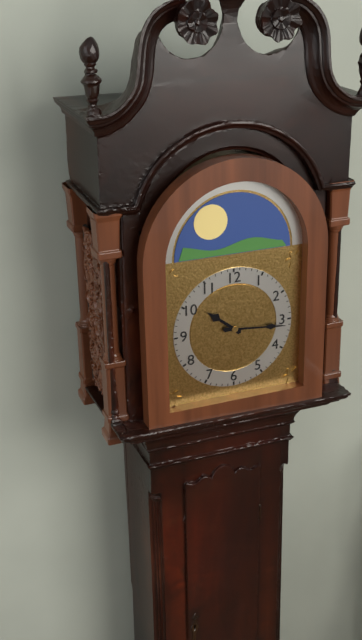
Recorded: 10h16
